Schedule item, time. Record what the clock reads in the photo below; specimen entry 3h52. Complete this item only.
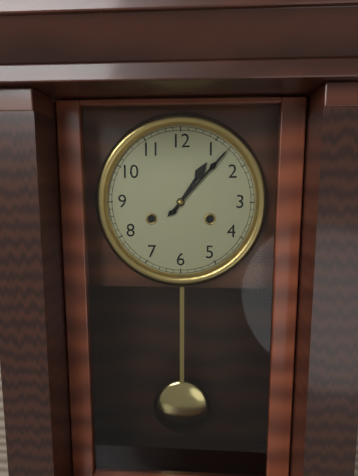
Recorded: 1h07
